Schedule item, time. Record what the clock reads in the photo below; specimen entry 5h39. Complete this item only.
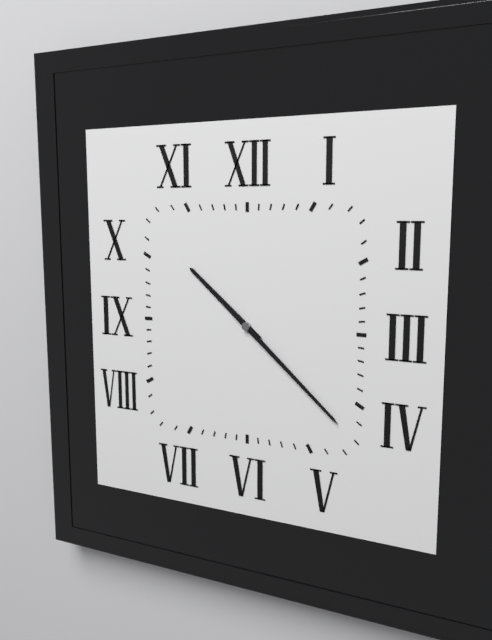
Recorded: 10h22
